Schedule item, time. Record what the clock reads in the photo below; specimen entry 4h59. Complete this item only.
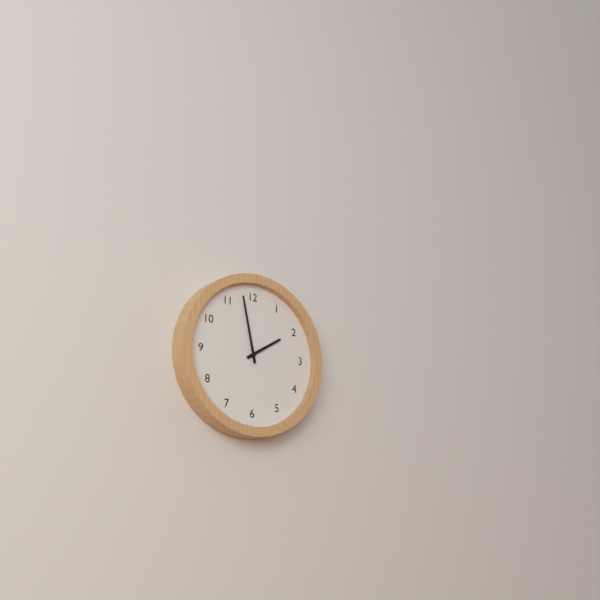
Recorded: 1h58
